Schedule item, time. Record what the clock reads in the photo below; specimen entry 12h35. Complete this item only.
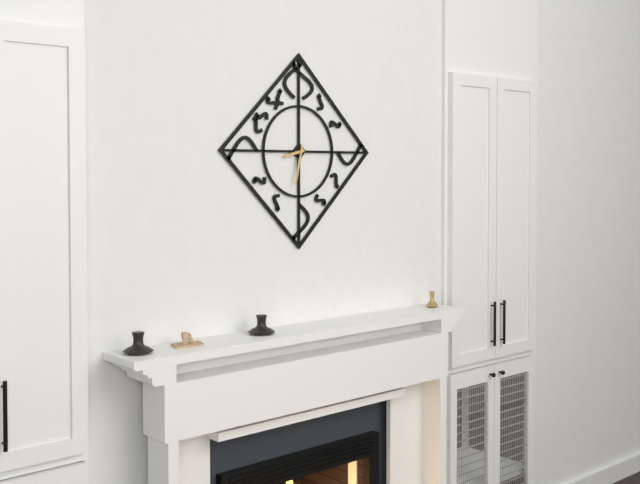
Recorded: 8h32
